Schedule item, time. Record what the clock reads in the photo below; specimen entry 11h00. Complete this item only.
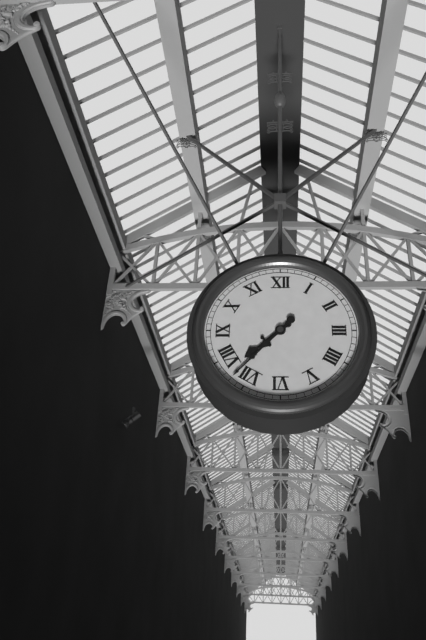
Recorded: 7h37
